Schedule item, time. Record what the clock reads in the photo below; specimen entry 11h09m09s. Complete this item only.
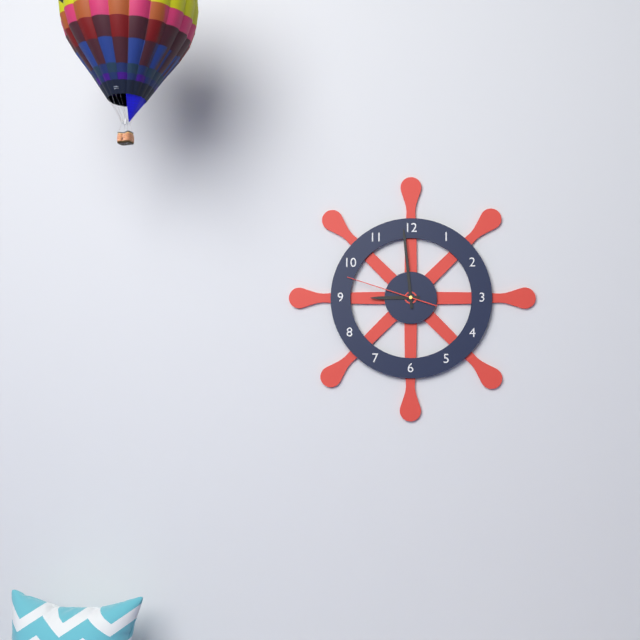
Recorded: 8h59m48s
